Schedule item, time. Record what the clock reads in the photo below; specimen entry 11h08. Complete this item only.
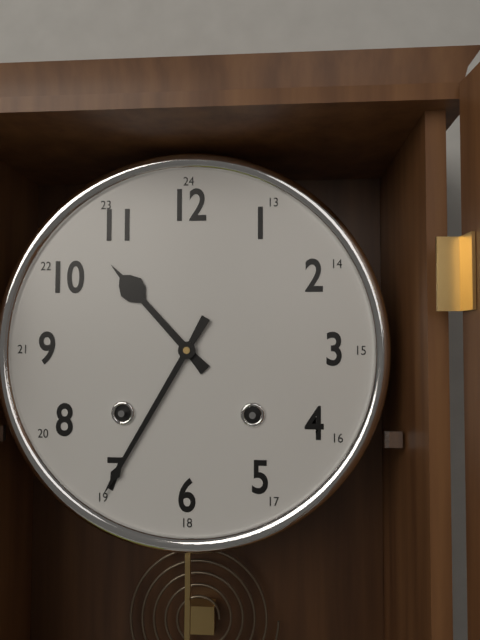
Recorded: 10h35
